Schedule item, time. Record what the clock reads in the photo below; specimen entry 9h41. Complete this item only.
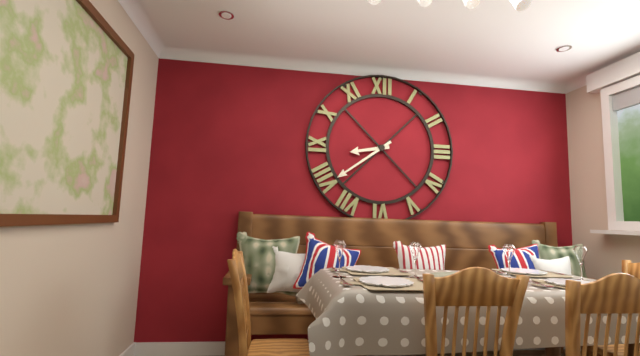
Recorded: 8h39
